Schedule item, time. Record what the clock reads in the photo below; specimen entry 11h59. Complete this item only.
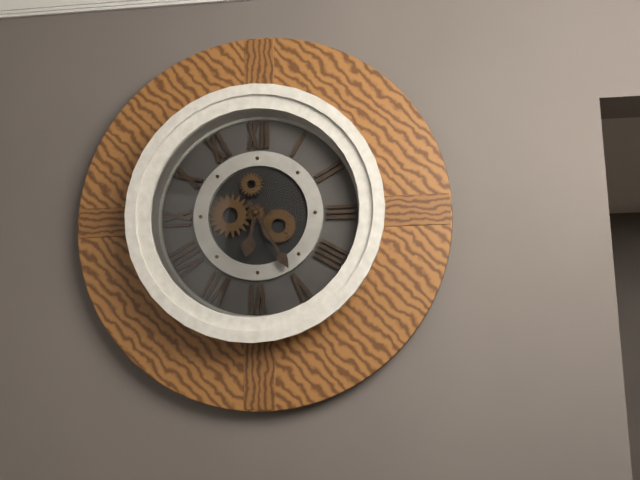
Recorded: 6h25
